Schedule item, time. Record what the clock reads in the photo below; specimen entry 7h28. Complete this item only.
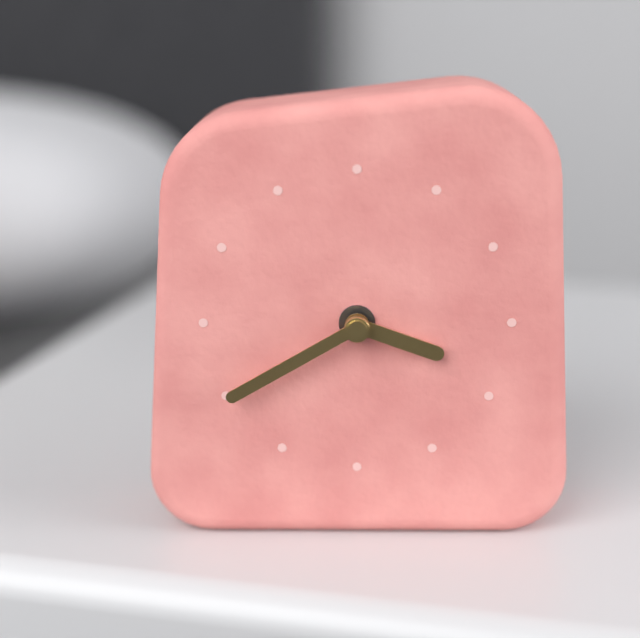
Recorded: 3h40
